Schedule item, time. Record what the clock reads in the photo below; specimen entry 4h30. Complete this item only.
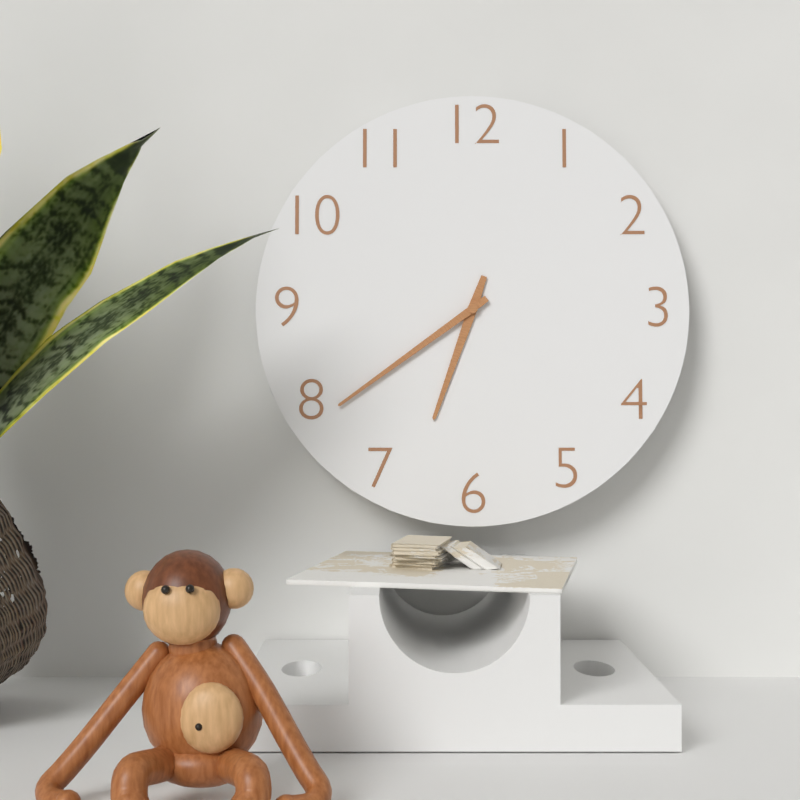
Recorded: 6h39
